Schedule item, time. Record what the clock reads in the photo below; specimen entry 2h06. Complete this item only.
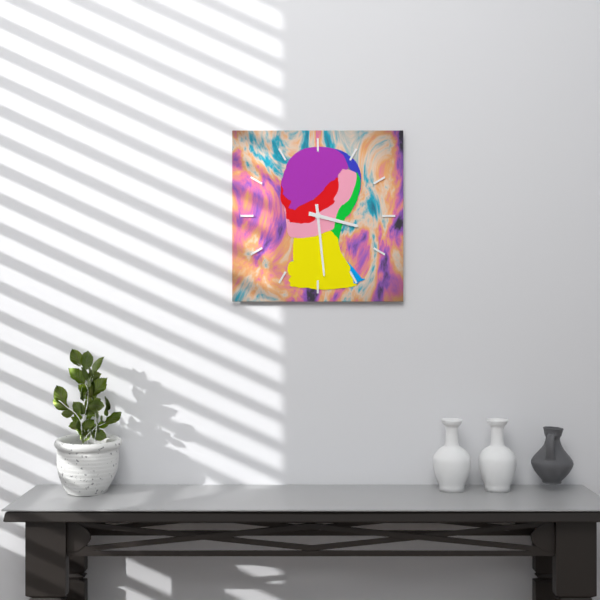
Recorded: 3h29
